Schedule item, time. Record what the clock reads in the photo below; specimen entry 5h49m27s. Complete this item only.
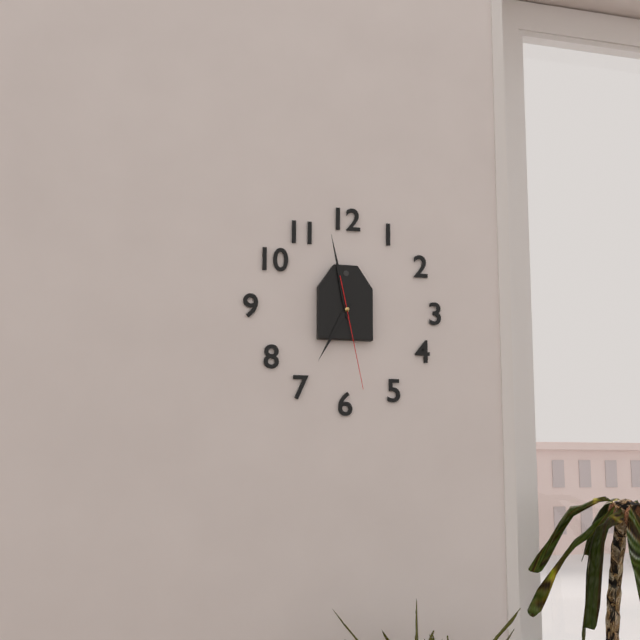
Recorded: 6h58m28s
